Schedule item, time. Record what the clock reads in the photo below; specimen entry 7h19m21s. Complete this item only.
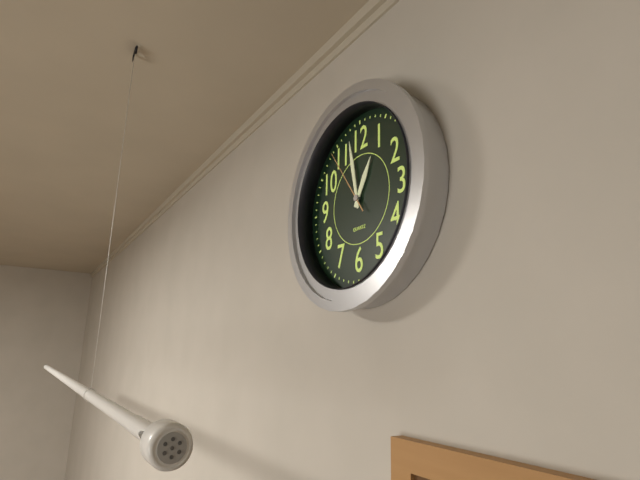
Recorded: 12h58m54s
